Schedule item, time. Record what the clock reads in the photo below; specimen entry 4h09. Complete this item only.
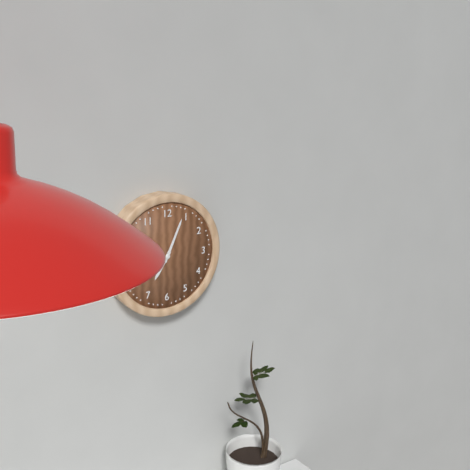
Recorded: 7h04
